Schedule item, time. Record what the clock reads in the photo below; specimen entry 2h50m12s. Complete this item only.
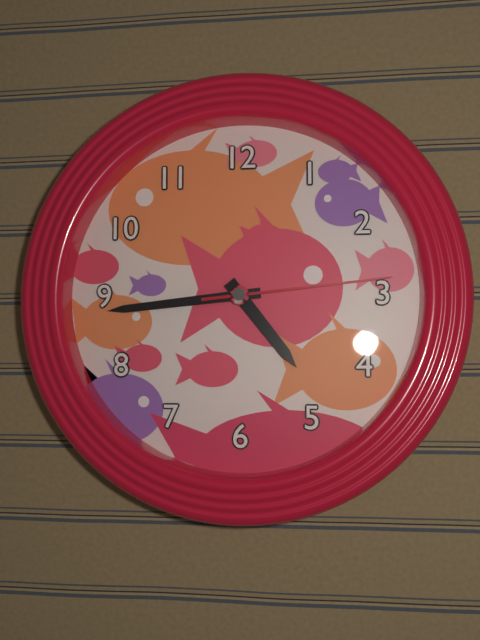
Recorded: 4h44m14s
